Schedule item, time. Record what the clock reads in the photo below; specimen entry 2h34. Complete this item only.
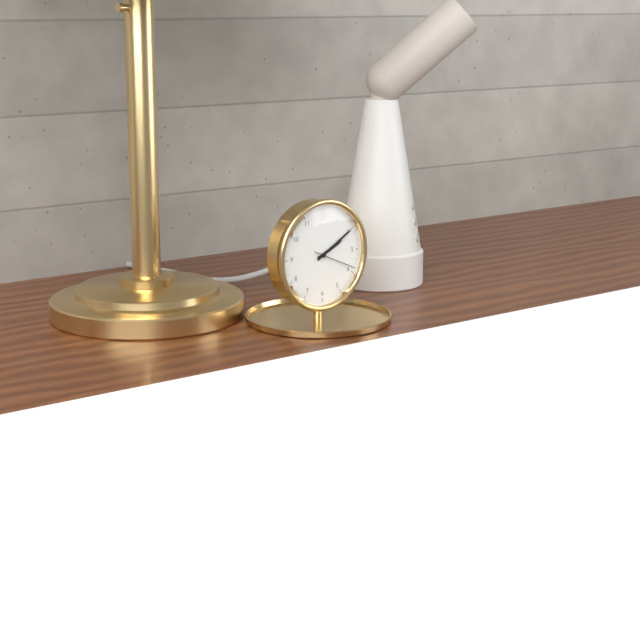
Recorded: 2h10
